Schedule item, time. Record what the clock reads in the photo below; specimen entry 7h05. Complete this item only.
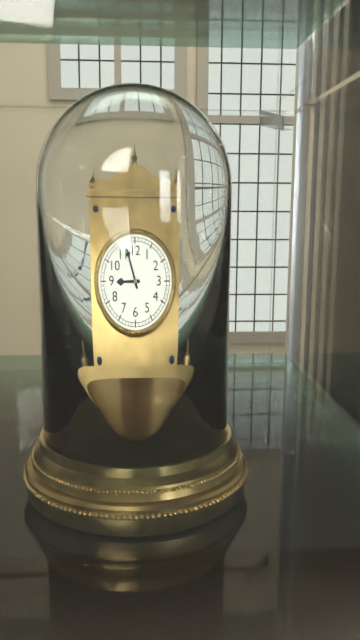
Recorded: 8h57
